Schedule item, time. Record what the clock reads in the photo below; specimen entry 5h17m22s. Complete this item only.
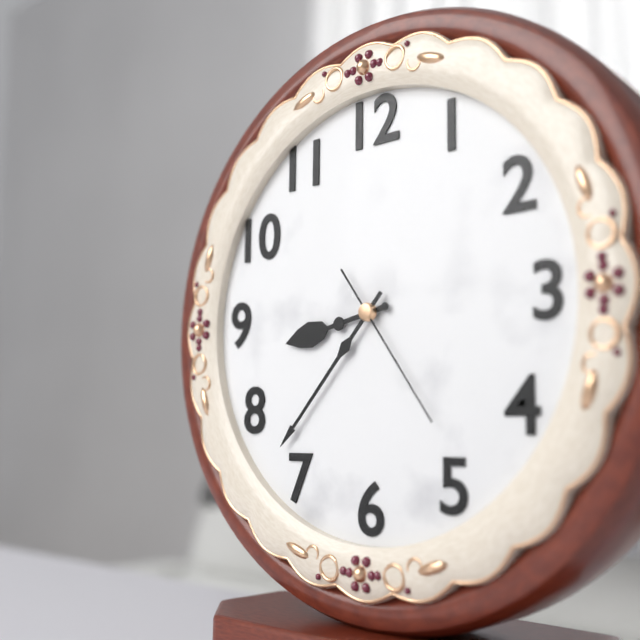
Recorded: 8h37m24s
